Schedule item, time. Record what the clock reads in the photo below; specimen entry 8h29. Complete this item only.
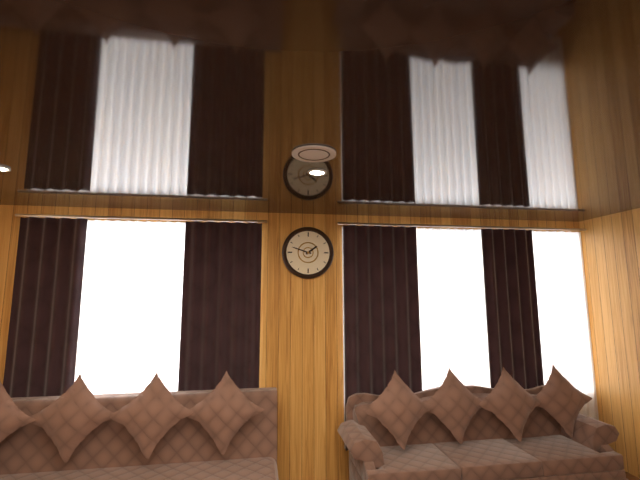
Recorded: 1h48
